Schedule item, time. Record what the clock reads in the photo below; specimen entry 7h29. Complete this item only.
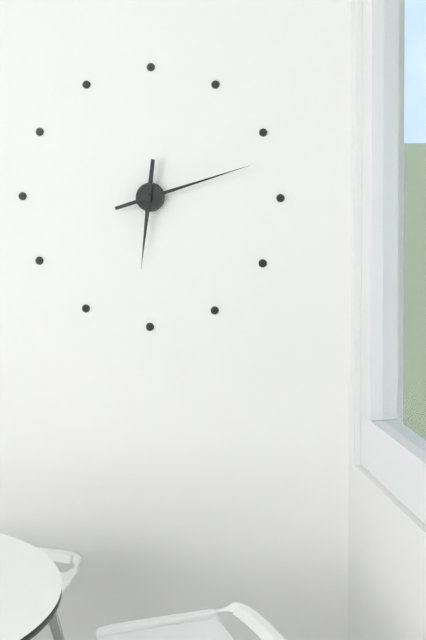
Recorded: 6h12
